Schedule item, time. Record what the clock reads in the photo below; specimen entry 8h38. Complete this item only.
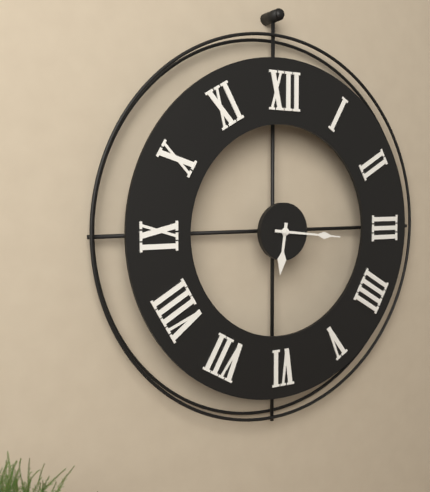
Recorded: 6h16
